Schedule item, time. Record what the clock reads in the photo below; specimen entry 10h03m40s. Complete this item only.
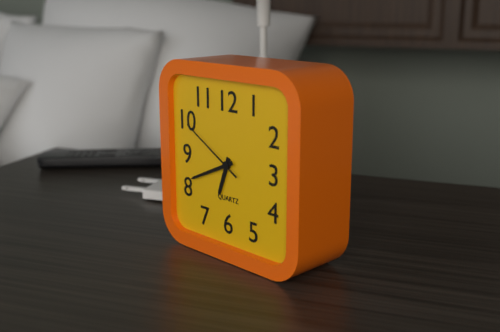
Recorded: 6h41m50s
